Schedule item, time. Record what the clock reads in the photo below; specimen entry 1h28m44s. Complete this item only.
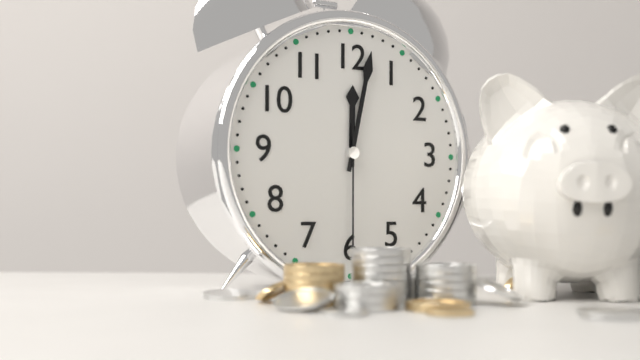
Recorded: 12h02m30s
